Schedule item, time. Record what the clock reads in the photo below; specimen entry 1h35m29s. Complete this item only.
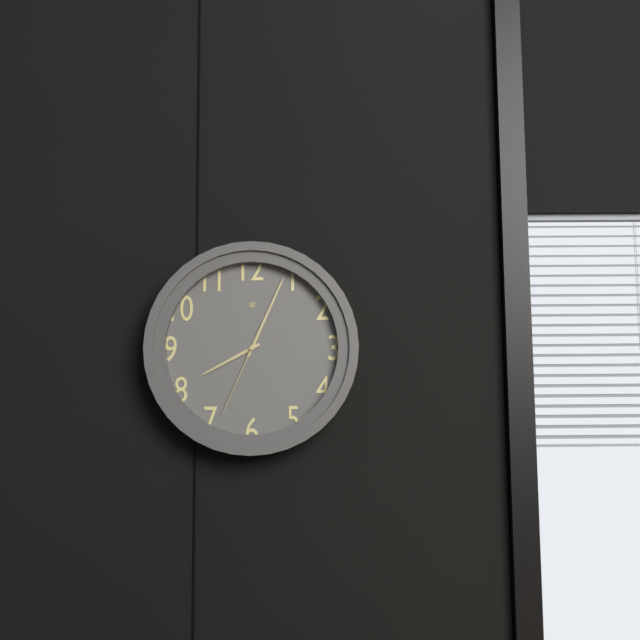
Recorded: 8h04m34s
